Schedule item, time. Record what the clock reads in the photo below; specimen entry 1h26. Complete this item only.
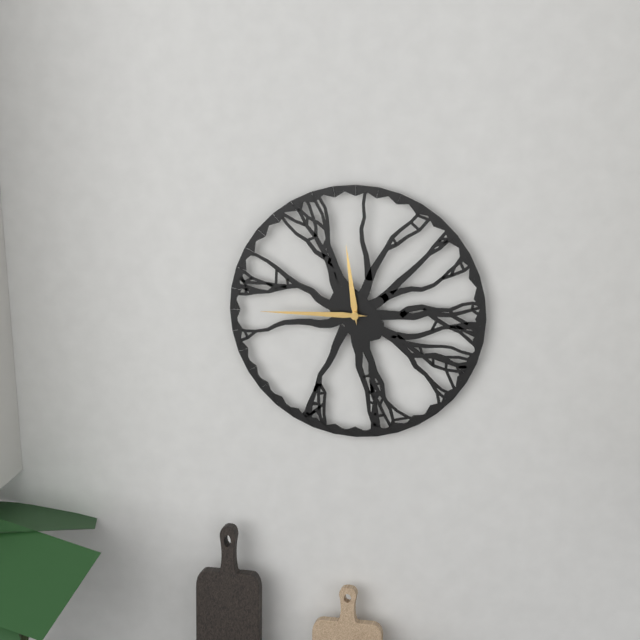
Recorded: 11h45
